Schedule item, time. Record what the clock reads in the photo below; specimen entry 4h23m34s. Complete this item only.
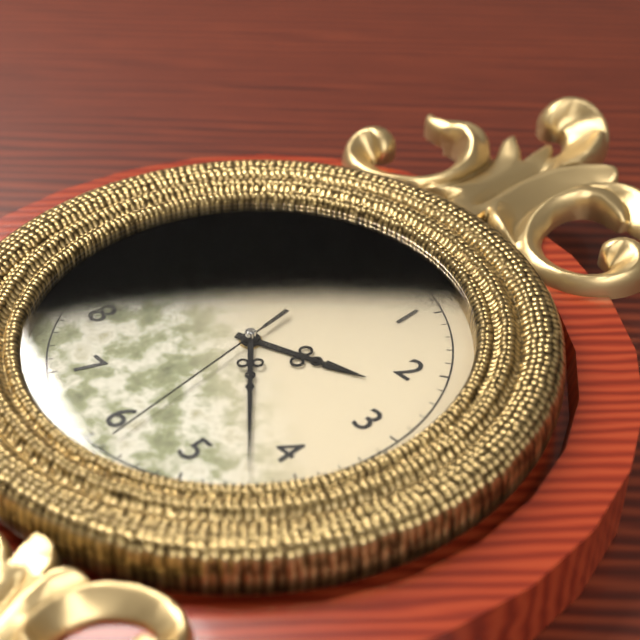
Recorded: 2h22m29s
